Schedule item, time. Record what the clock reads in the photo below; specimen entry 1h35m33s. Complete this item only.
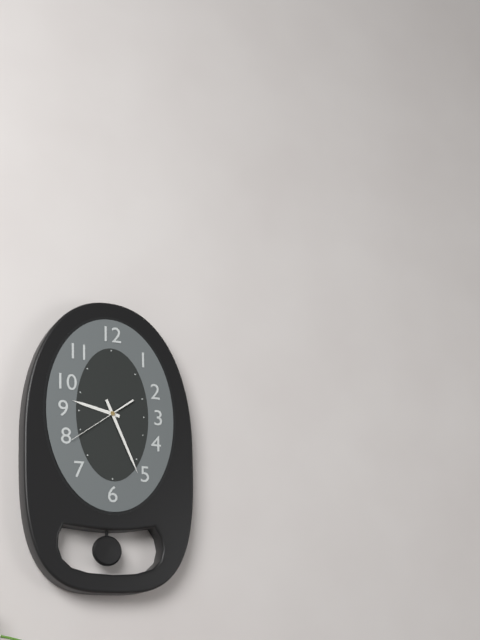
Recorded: 9h26m39s
